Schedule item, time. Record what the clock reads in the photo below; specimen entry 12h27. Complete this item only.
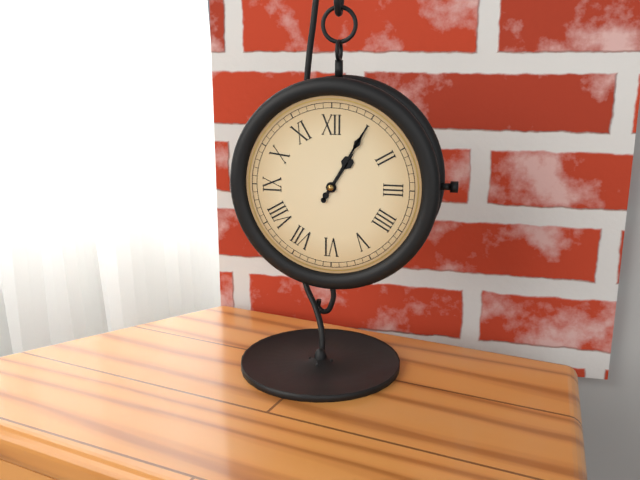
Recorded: 1h05
